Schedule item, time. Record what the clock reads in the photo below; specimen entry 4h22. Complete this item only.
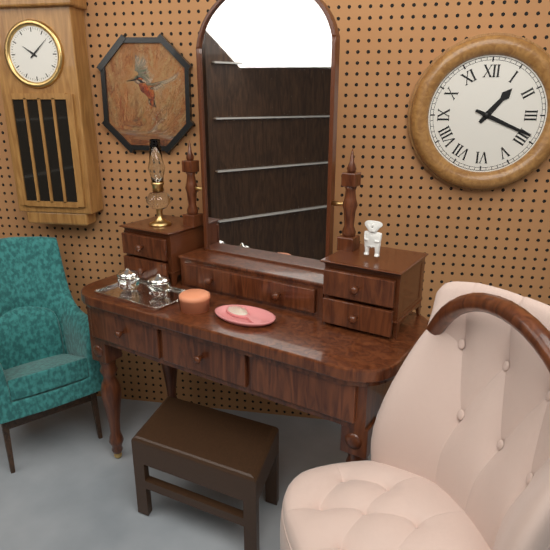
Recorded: 1h19
